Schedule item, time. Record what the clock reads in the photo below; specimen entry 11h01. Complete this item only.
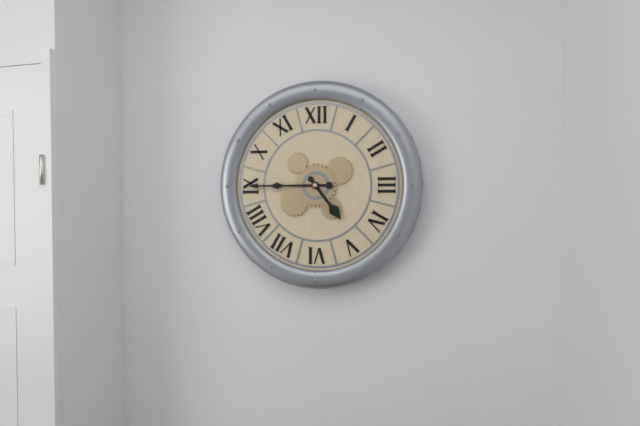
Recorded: 4h45
